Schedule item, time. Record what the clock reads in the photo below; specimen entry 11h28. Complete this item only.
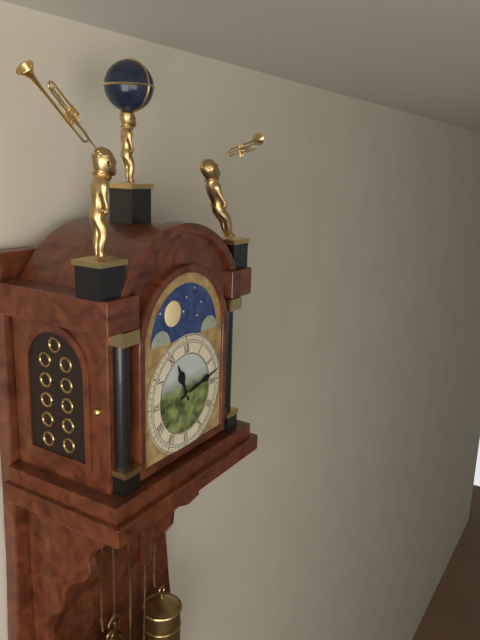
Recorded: 11h13
